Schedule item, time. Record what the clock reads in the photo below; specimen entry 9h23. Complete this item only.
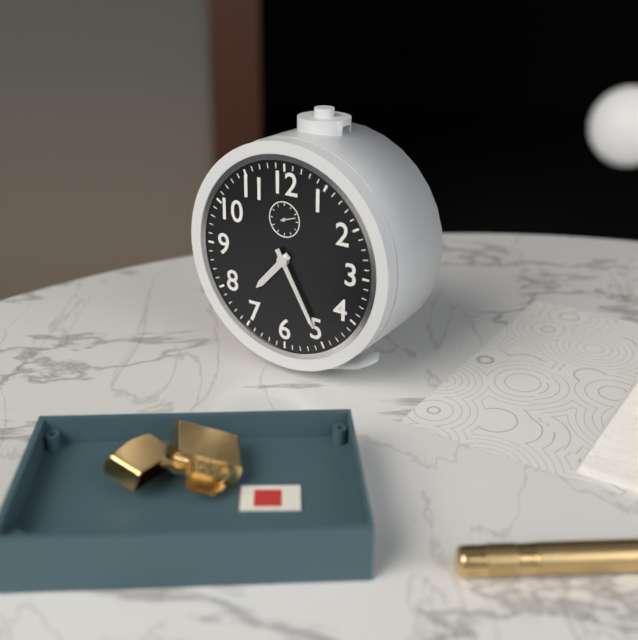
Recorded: 7h25
